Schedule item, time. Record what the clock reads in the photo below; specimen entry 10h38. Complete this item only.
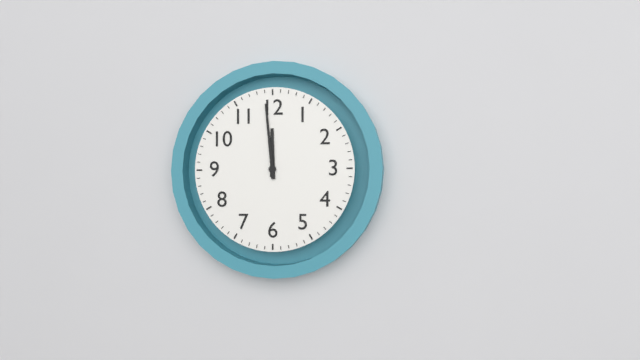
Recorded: 11h59
